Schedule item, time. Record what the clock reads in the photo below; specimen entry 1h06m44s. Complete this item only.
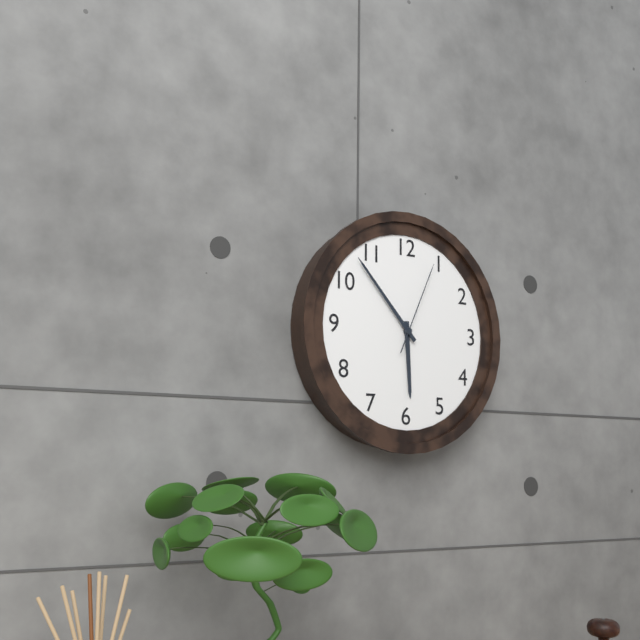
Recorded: 5h53m04s
